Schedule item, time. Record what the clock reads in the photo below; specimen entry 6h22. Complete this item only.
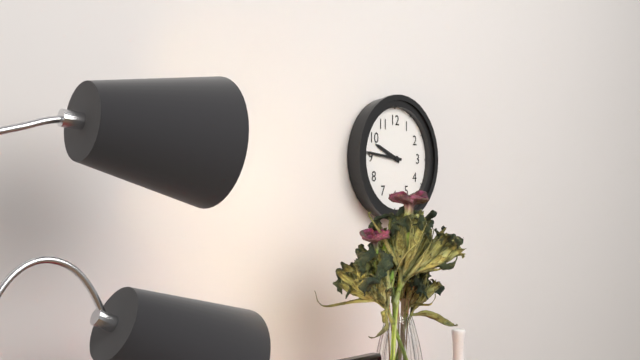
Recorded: 9h46
